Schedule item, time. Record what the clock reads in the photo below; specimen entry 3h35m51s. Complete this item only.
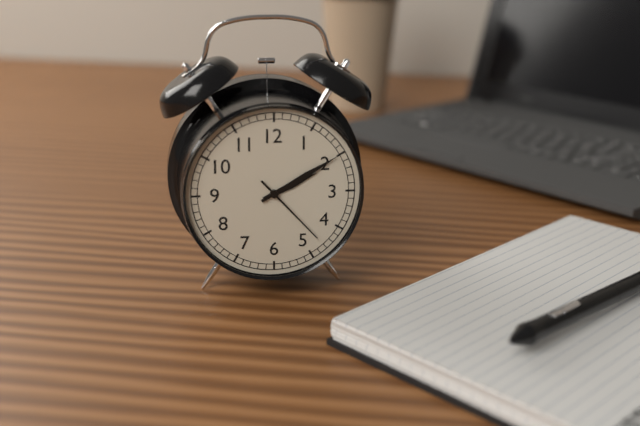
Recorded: 2h10m23s
